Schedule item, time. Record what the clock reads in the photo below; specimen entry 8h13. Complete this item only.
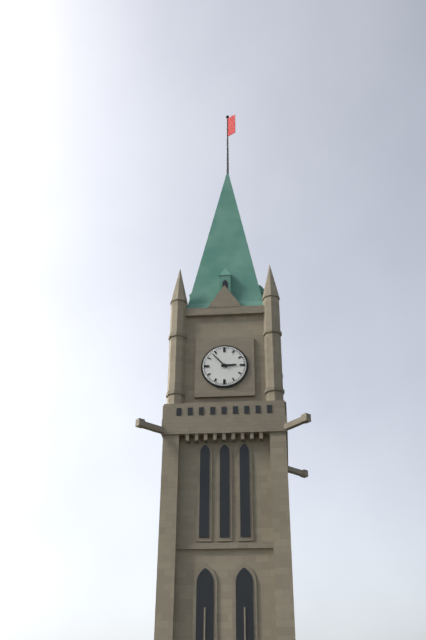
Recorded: 2h53
